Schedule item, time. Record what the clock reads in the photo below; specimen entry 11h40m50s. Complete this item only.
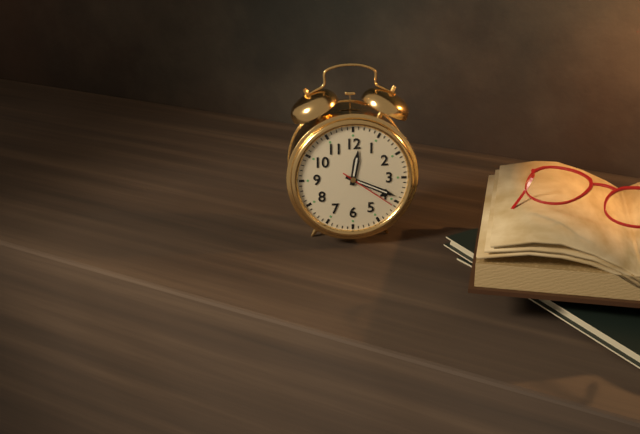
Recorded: 12h19m21s
